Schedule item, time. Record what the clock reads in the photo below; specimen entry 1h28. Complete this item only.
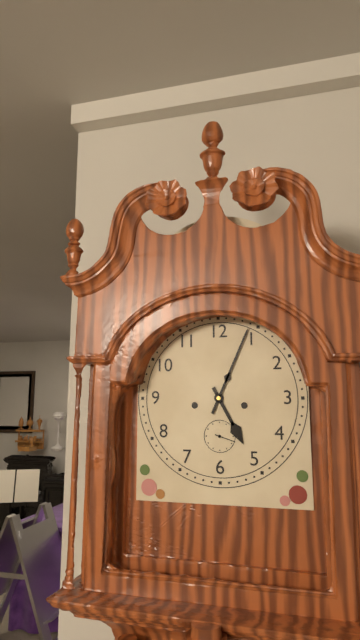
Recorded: 5h04
